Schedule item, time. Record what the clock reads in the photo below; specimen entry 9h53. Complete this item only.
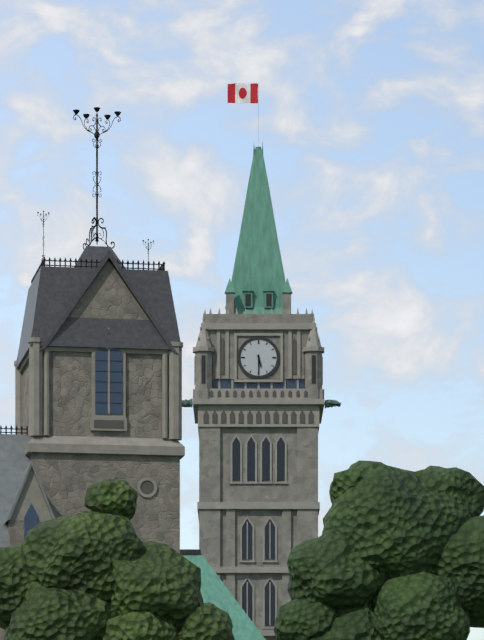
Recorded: 5h30
